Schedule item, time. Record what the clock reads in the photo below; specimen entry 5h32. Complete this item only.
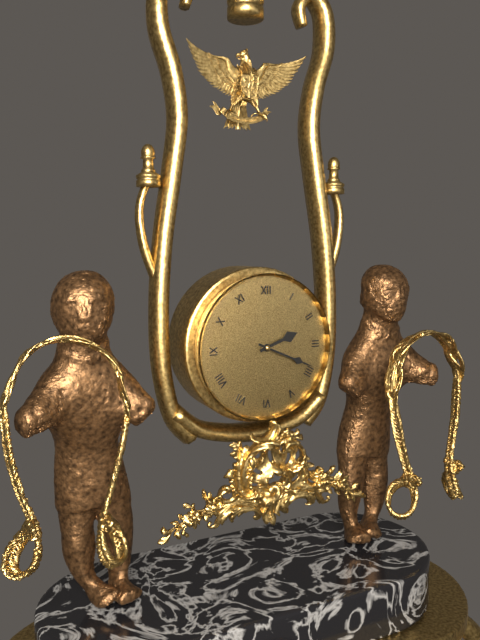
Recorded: 2h19
